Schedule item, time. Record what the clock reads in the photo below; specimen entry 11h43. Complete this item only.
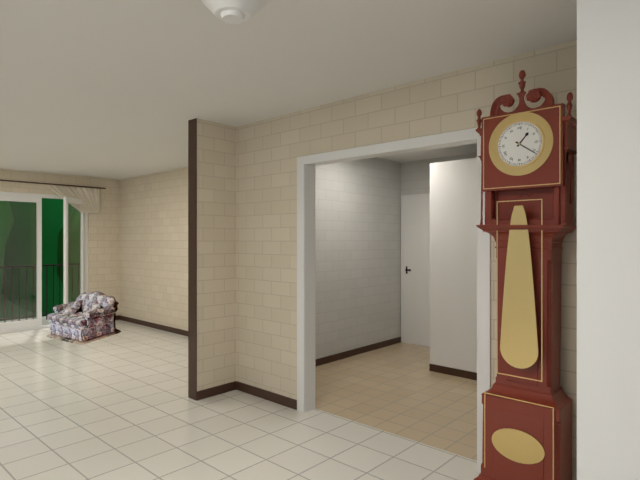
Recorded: 1h21
